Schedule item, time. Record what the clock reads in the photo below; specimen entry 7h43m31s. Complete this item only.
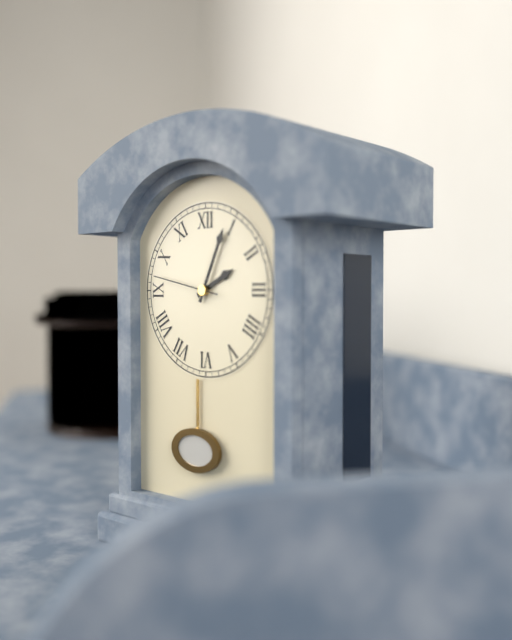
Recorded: 2h04m47s
